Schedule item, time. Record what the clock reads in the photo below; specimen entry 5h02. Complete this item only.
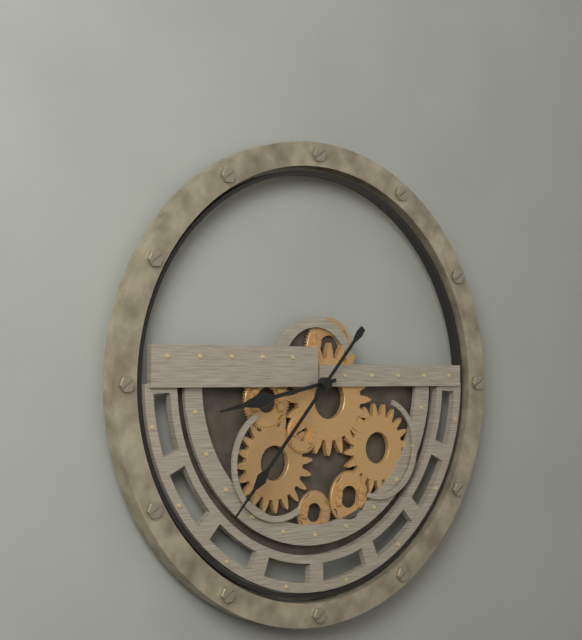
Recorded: 8h37
